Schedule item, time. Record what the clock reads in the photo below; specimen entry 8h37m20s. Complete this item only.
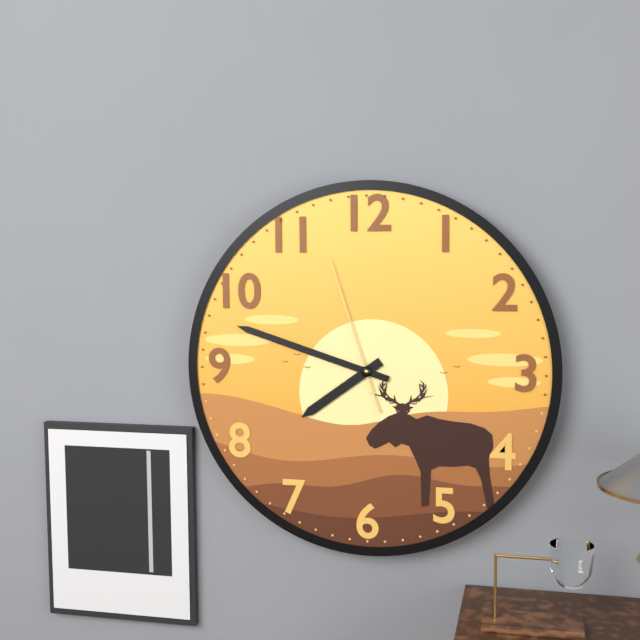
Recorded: 7h48m57s
